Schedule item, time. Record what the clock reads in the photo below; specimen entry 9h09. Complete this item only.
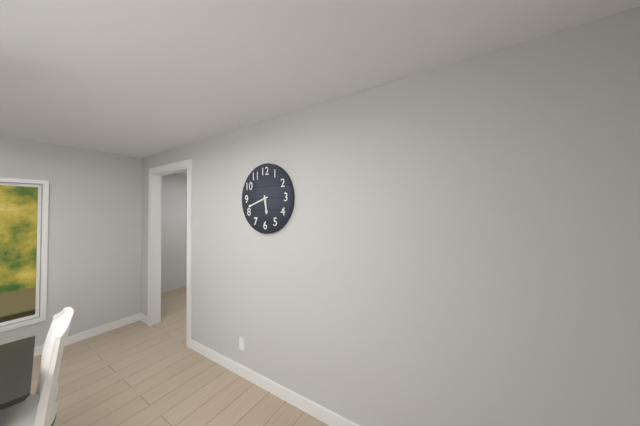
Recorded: 5h42
